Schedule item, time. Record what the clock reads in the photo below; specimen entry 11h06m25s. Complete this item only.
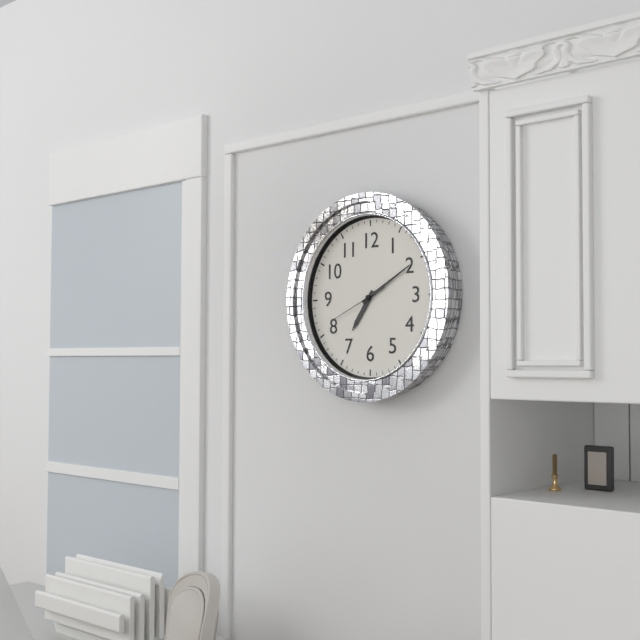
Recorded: 7h10m41s
